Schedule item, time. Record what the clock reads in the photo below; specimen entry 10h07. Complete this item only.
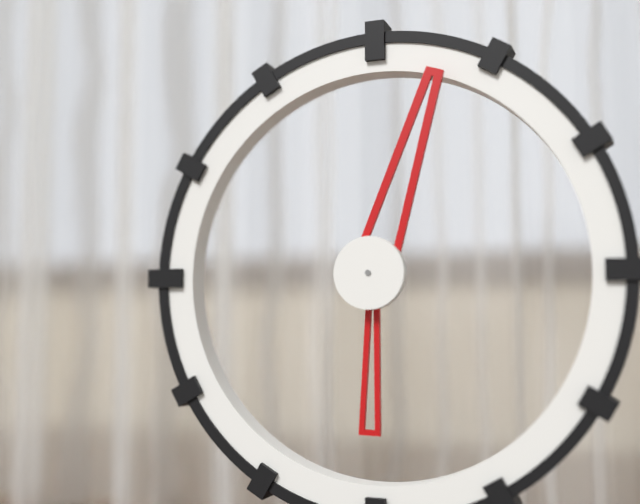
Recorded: 6h03
